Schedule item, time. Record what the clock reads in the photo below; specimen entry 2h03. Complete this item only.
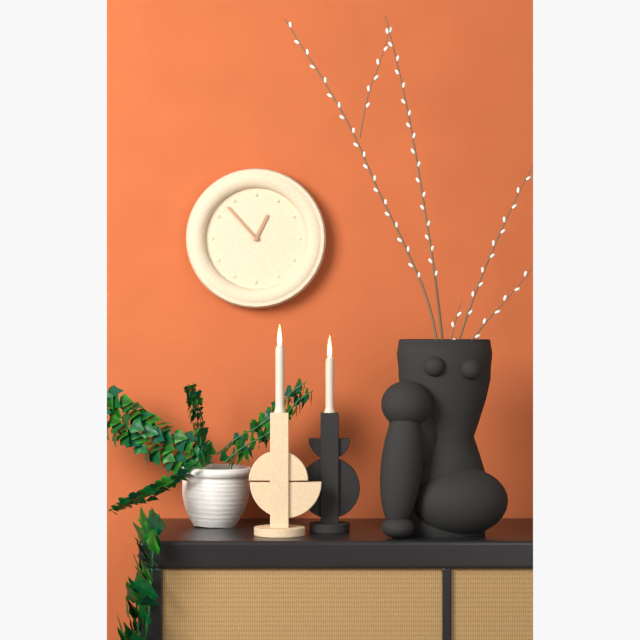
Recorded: 12h53
